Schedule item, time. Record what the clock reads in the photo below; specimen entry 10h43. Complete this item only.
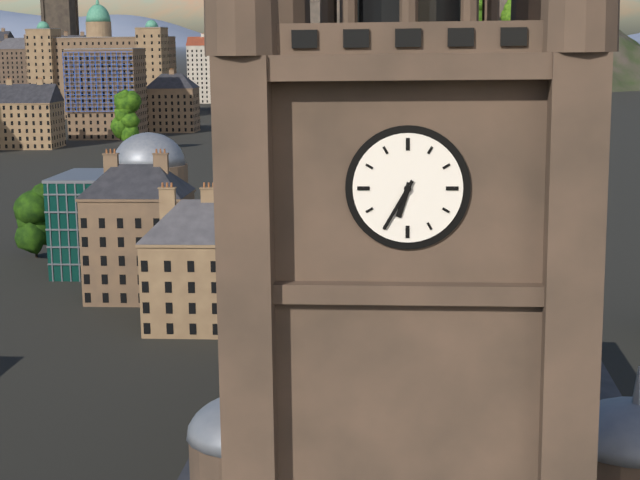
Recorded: 6h35
